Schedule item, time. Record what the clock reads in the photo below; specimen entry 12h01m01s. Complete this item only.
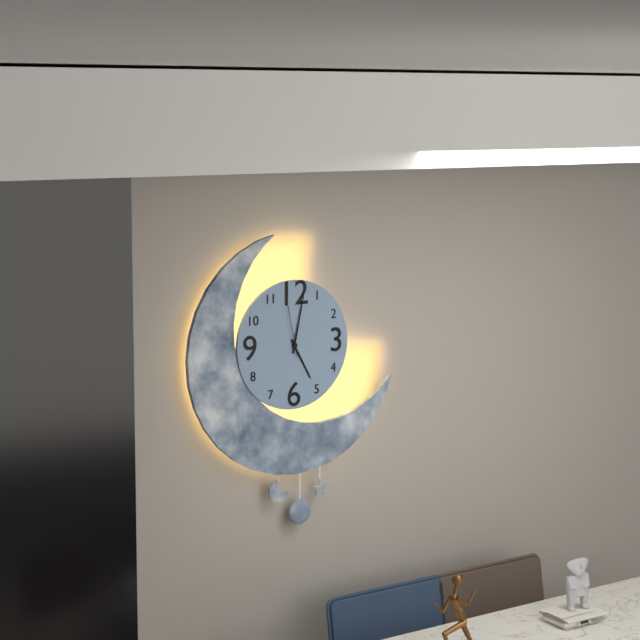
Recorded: 5h02m58s
